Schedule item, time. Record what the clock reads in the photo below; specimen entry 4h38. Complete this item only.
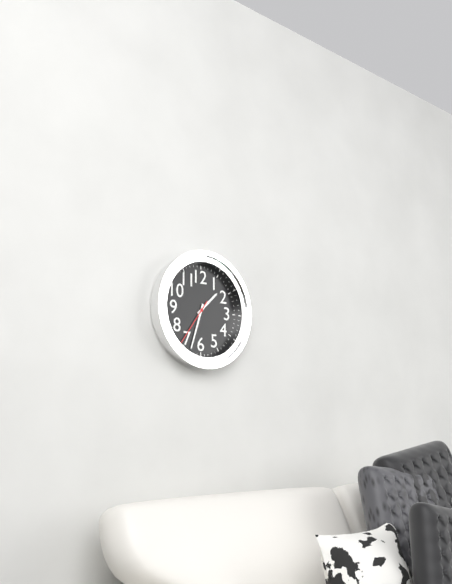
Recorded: 1h33
